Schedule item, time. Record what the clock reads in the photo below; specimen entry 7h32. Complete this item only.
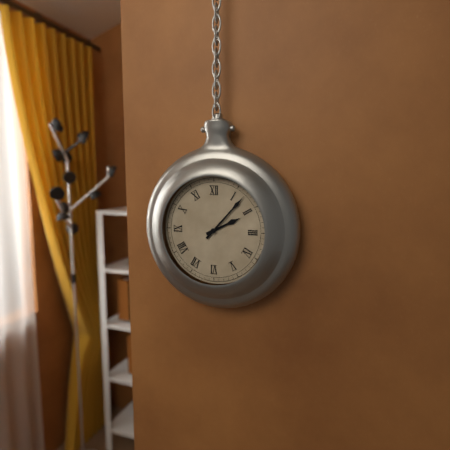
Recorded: 2h07
